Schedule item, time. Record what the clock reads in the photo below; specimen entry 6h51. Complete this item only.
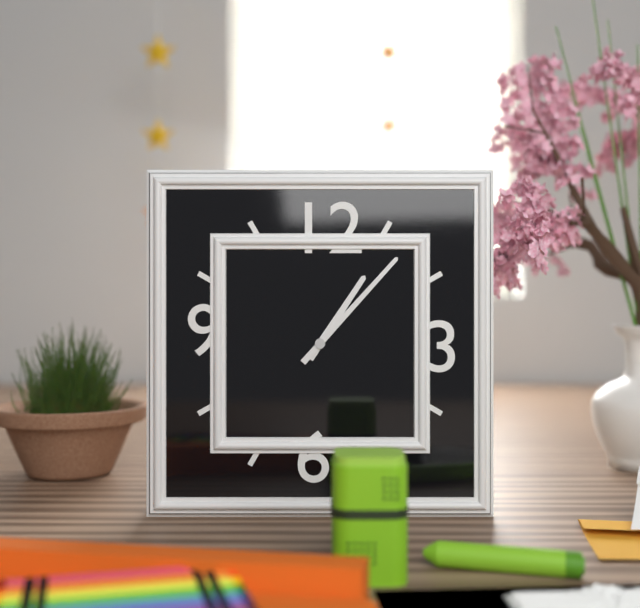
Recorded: 1h07
